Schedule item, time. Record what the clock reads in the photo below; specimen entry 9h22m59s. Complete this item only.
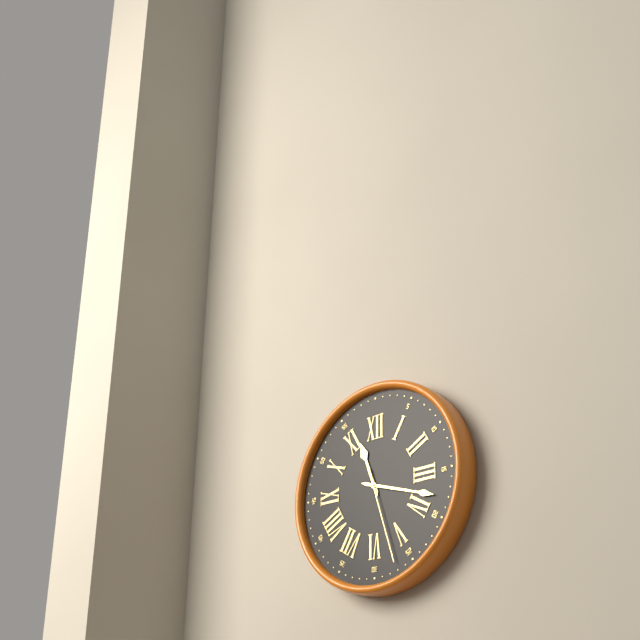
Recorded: 11h18m27s
